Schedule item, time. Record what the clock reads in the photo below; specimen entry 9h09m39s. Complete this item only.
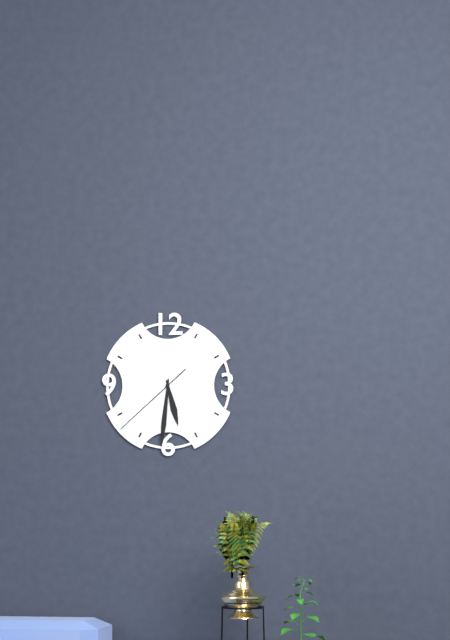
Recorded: 5h31m38s
